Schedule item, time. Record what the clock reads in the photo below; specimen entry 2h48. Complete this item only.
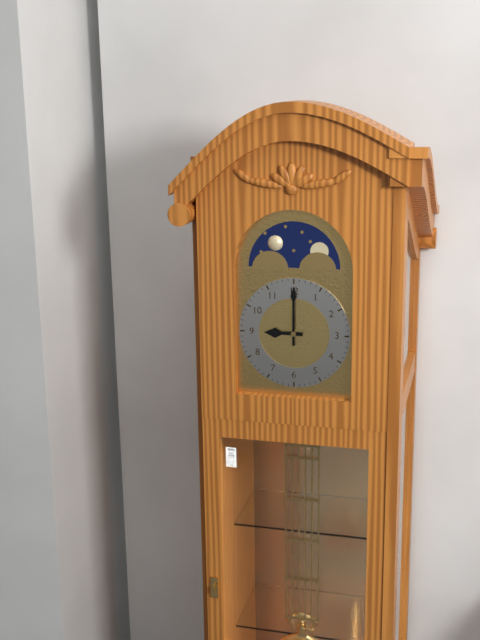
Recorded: 9h00
